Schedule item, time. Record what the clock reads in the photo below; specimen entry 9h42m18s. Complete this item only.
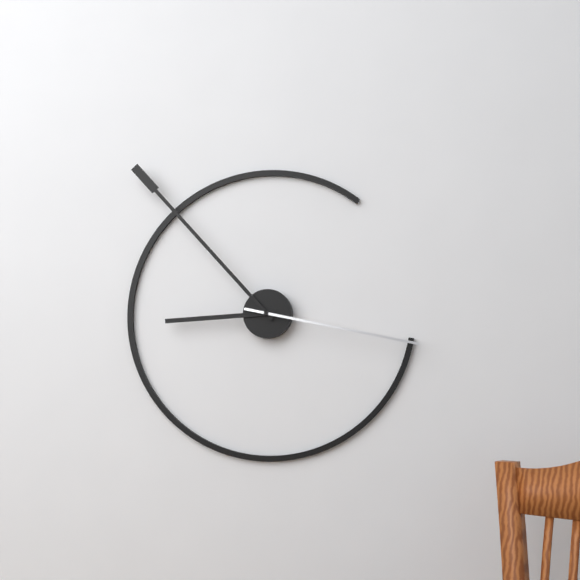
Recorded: 8h53m17s
